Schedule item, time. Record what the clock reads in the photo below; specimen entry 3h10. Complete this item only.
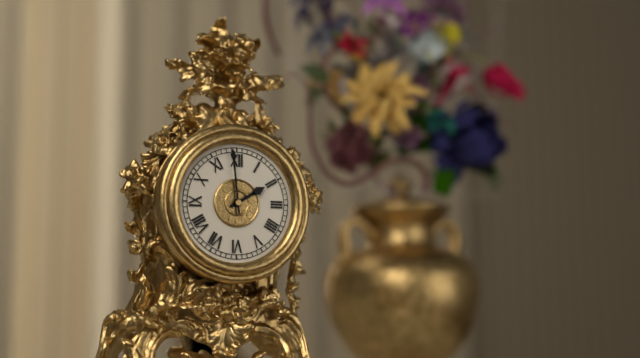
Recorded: 1h59
